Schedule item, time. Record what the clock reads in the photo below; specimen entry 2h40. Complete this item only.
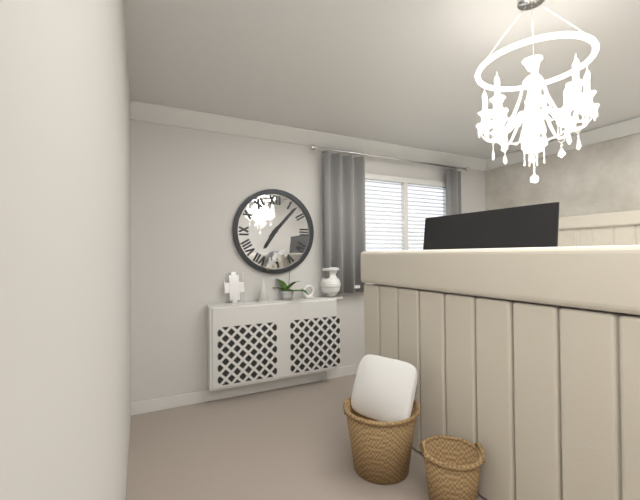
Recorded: 7h07
